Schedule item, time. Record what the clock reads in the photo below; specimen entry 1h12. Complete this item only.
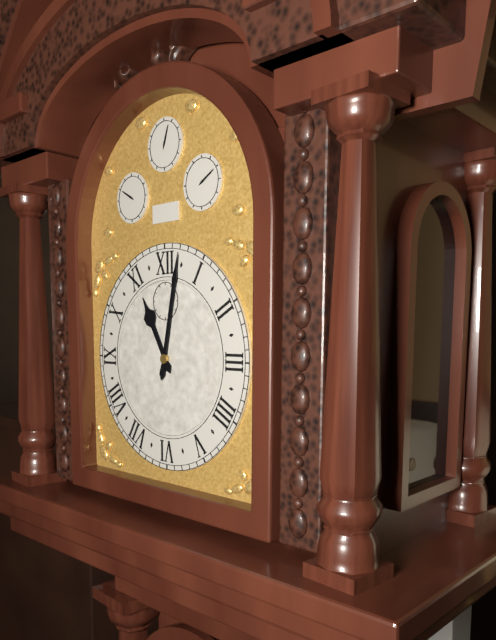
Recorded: 11h02
